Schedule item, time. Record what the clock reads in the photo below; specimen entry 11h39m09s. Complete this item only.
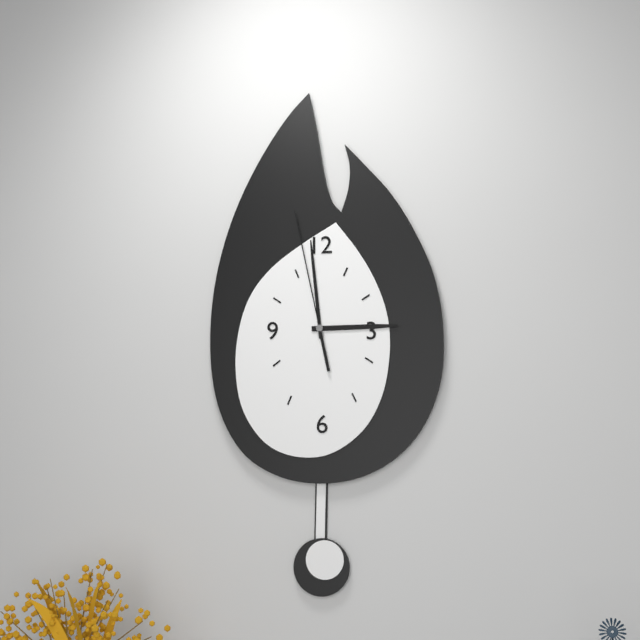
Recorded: 2h59m58s
